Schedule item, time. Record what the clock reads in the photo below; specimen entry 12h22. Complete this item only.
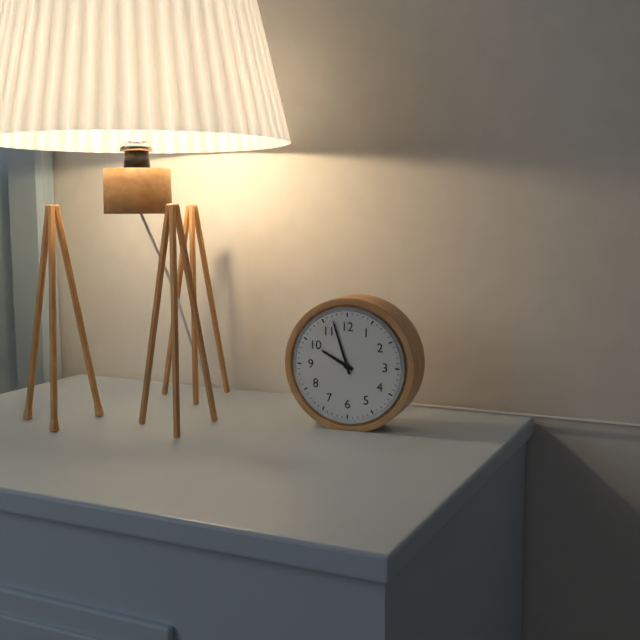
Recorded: 9h57
